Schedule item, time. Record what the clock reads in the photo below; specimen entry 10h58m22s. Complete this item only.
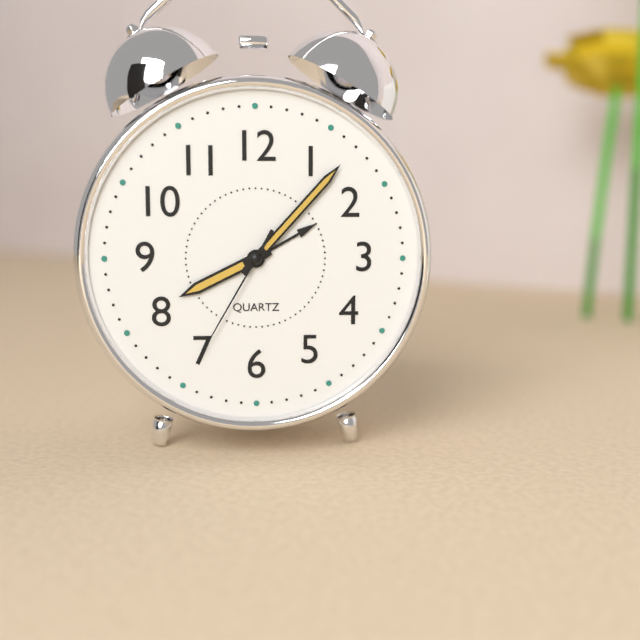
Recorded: 8h07m35s
